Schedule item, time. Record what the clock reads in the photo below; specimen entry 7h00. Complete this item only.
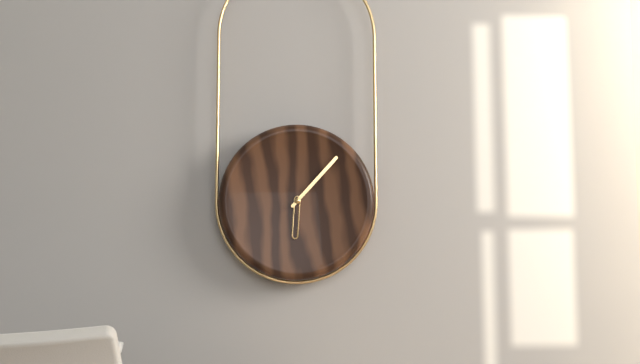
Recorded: 6h07
